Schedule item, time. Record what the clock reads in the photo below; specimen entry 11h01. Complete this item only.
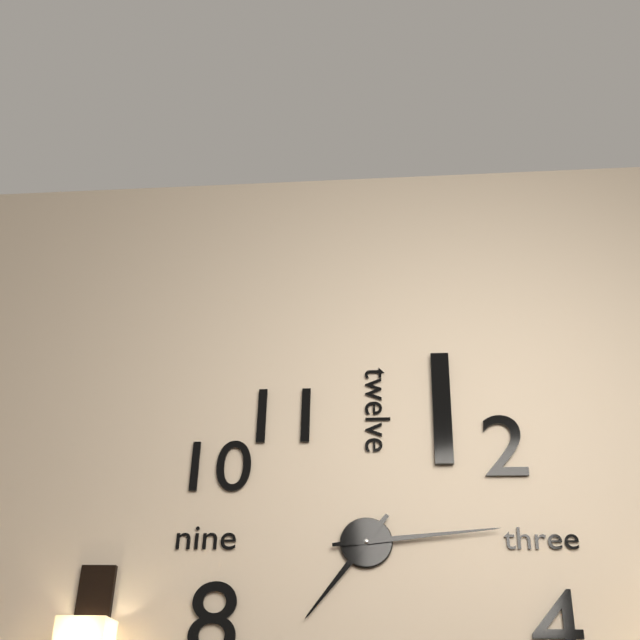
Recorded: 7h14
